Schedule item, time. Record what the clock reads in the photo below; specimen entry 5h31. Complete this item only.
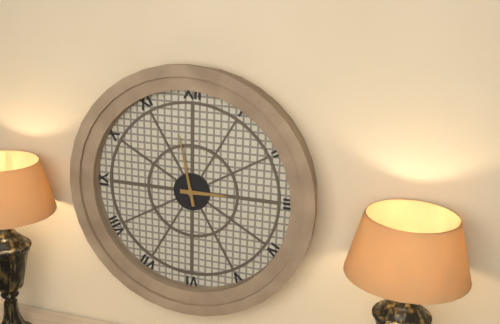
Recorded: 2h58
